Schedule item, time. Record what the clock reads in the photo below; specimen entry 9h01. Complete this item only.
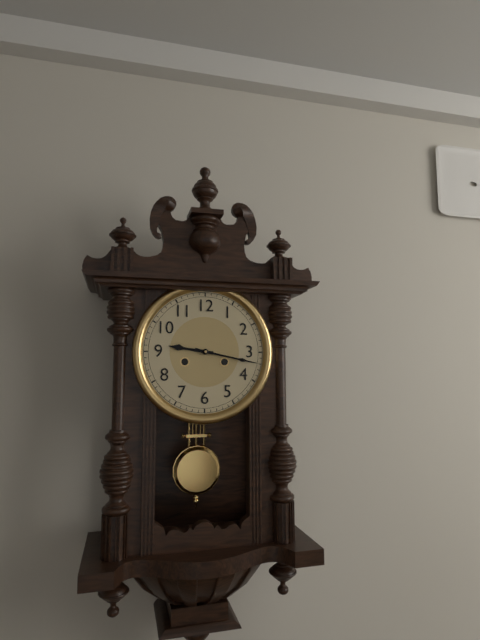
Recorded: 9h17
